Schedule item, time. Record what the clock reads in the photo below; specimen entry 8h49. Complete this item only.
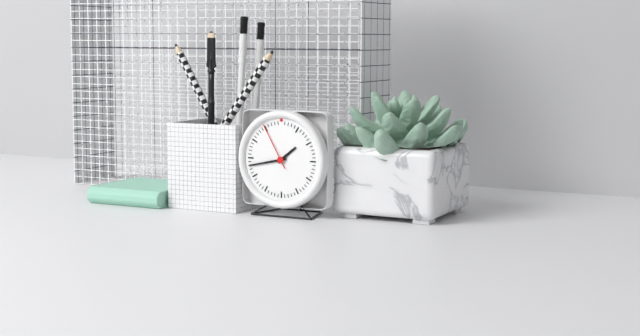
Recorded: 1h43
